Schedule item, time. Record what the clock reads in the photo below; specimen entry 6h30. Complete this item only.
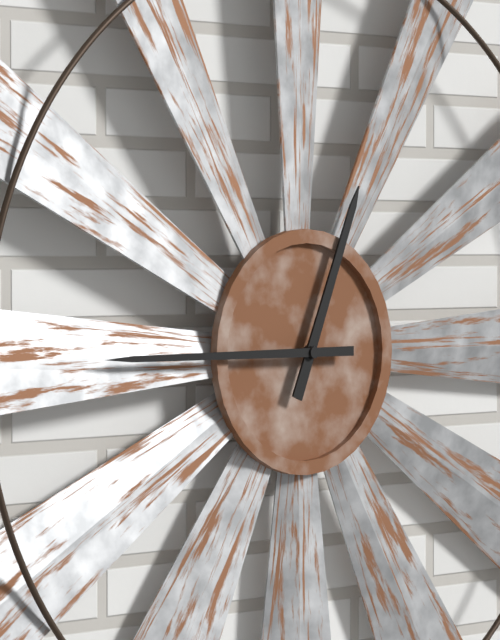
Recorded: 12h45
